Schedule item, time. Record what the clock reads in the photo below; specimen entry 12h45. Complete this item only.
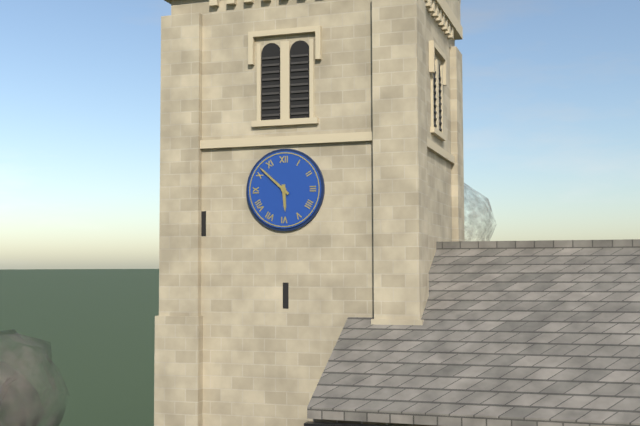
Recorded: 5h52
